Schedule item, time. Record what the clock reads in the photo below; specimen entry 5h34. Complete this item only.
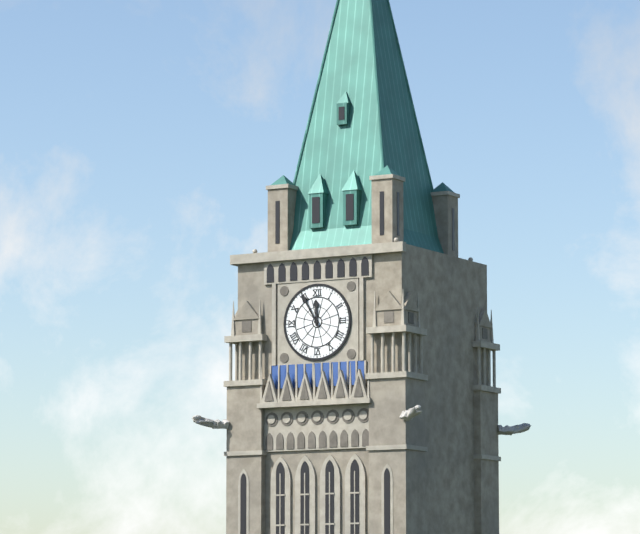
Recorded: 11h55
